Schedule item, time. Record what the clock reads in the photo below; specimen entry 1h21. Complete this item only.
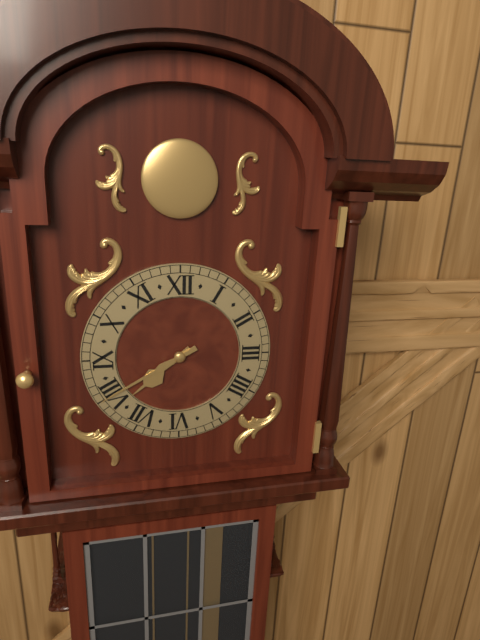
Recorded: 7h40
